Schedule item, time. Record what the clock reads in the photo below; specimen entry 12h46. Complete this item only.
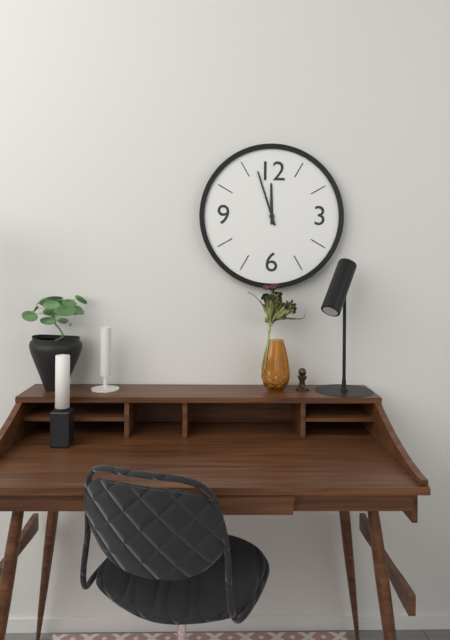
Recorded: 11h57
